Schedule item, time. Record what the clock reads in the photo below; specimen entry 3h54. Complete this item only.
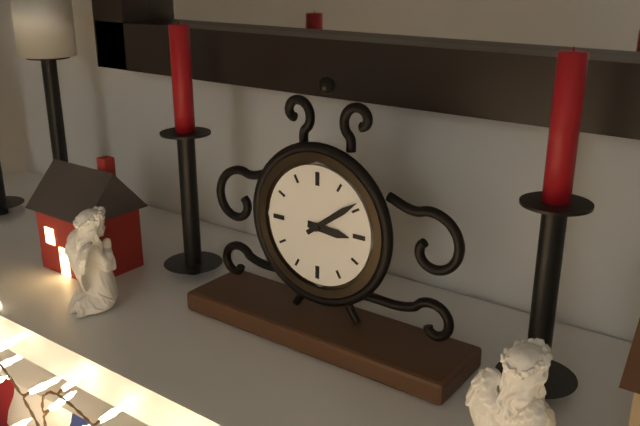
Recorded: 3h09
